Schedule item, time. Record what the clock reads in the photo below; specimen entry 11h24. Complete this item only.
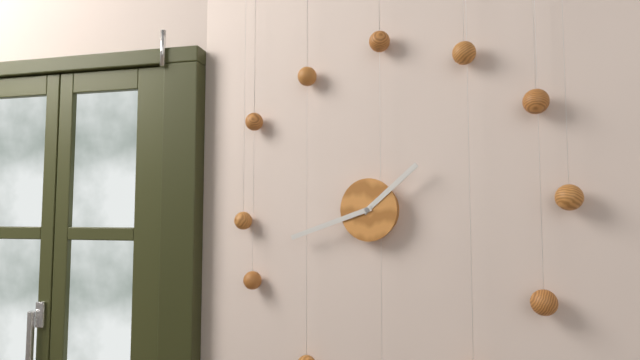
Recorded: 1h42
